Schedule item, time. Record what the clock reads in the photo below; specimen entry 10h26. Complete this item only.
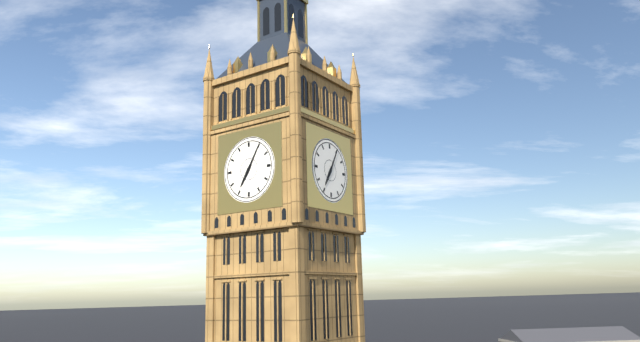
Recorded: 7h05
